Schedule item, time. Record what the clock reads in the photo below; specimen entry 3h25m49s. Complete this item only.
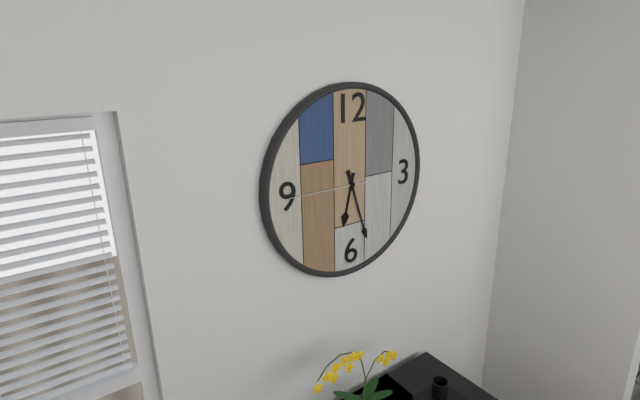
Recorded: 6h27m45s
